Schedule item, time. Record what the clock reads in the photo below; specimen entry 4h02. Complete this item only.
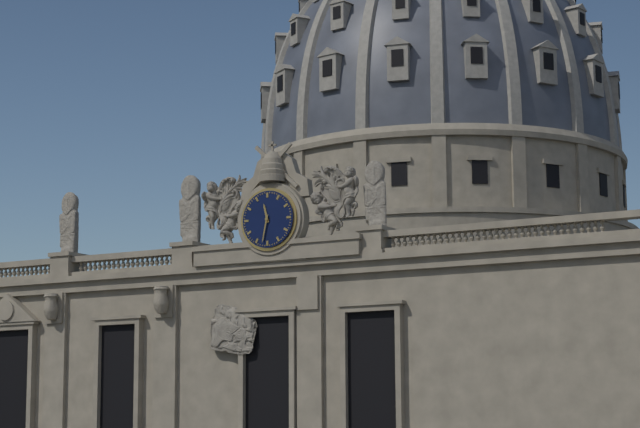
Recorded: 11h32
